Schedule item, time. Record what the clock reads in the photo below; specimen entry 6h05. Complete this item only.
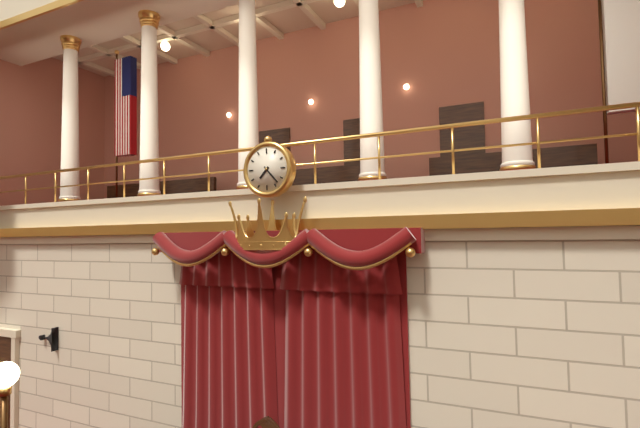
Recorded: 7h23
